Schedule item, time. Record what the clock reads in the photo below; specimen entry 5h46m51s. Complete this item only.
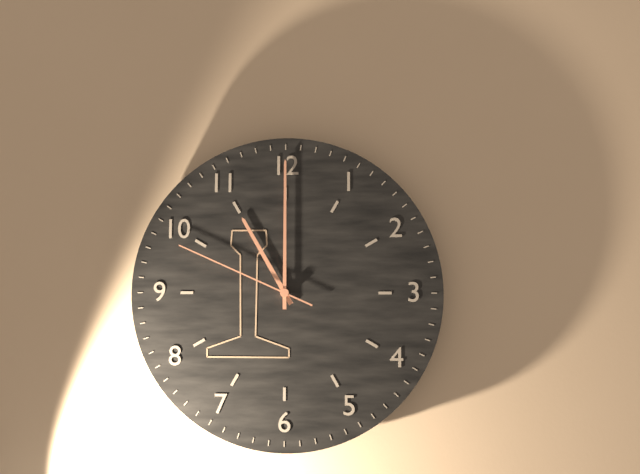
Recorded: 11h00m49s
